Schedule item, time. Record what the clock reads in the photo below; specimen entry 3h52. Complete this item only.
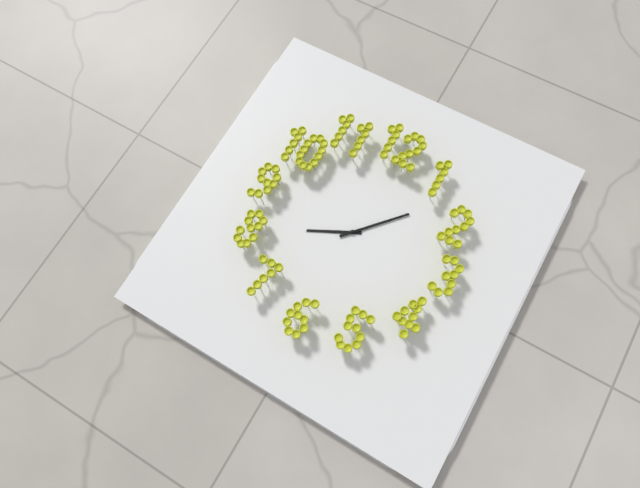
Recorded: 8h07
